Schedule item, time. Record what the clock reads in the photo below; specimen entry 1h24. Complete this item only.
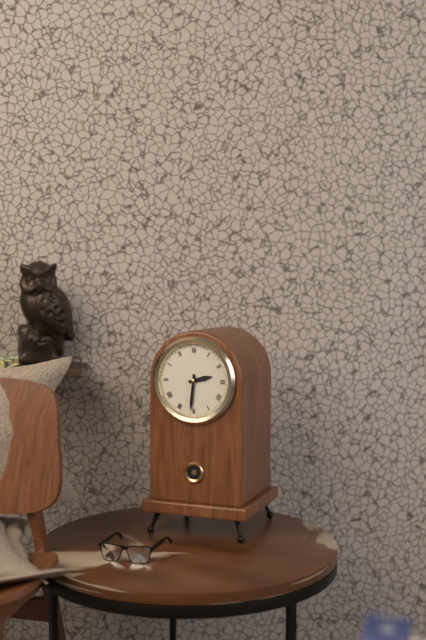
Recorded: 2h31
